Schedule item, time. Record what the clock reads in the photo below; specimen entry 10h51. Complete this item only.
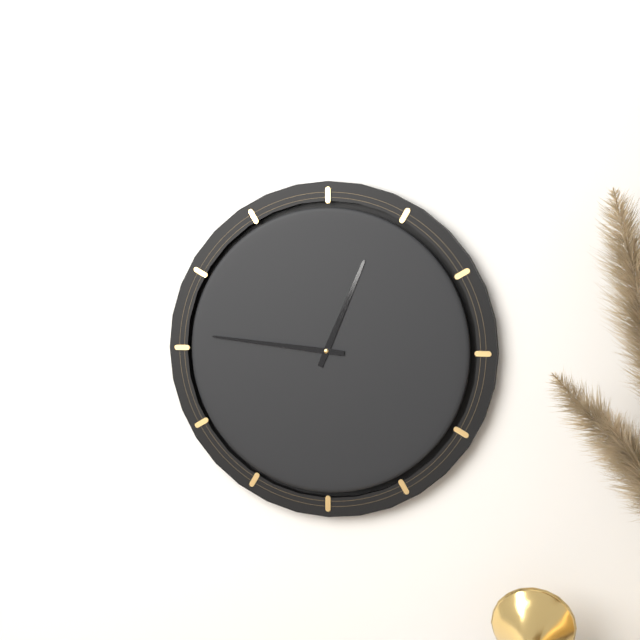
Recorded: 12h46
